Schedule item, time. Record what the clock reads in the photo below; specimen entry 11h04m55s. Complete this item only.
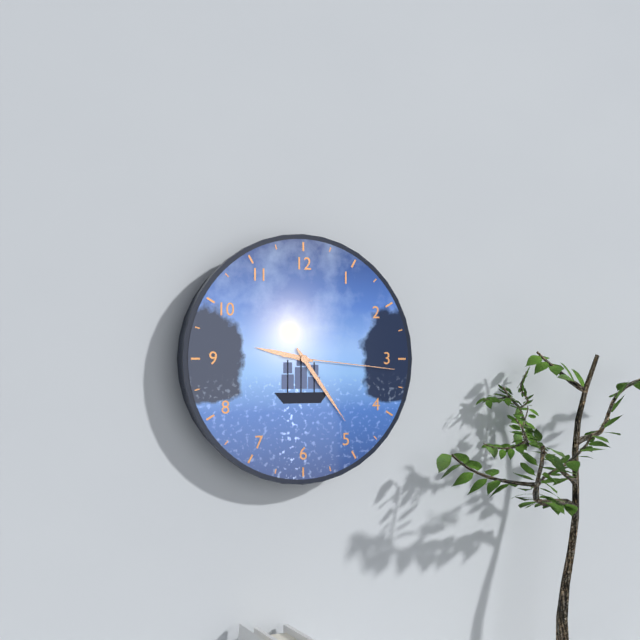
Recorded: 9h24m16s
